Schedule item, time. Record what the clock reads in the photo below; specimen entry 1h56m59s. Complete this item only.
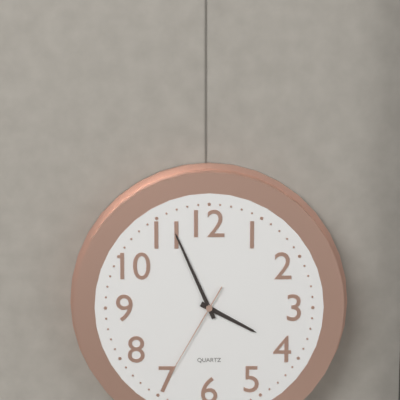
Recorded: 3h56m35s
